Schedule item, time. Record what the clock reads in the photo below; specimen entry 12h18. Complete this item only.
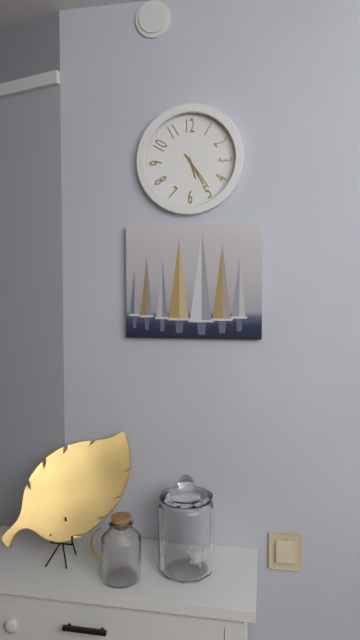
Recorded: 5h25
